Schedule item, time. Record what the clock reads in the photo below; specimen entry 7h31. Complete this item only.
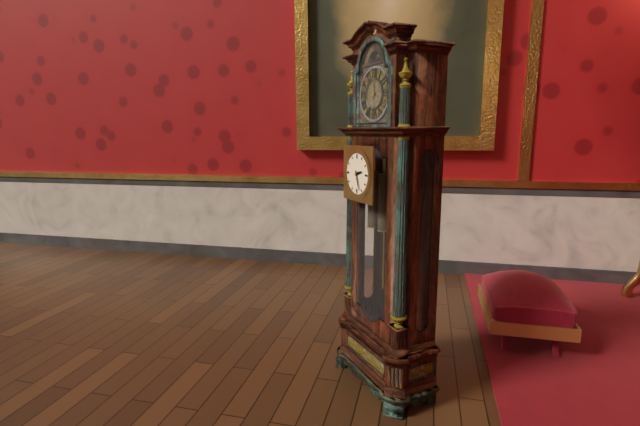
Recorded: 2h27
